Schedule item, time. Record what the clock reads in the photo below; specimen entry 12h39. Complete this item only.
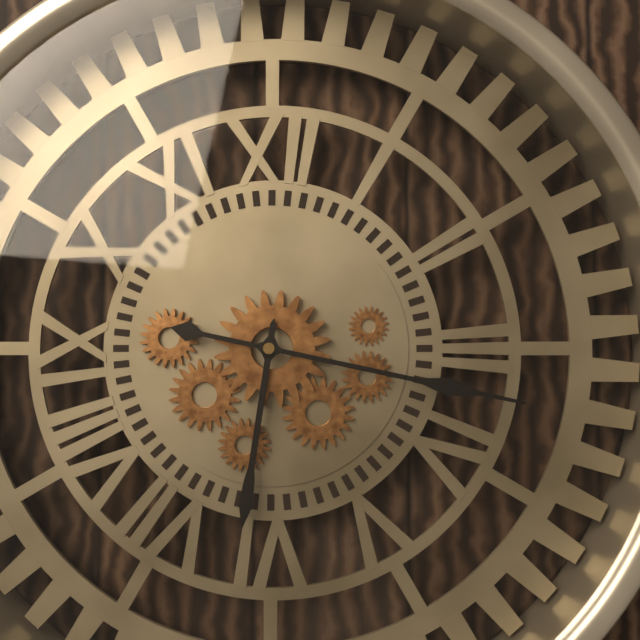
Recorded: 6h17
